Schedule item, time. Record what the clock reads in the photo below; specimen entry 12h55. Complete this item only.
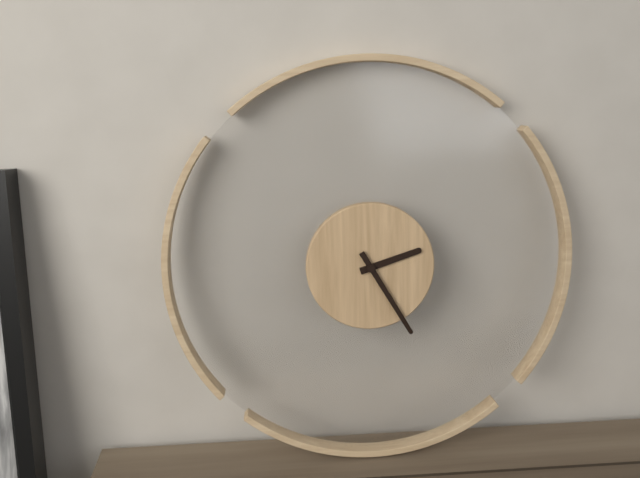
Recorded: 2h25
